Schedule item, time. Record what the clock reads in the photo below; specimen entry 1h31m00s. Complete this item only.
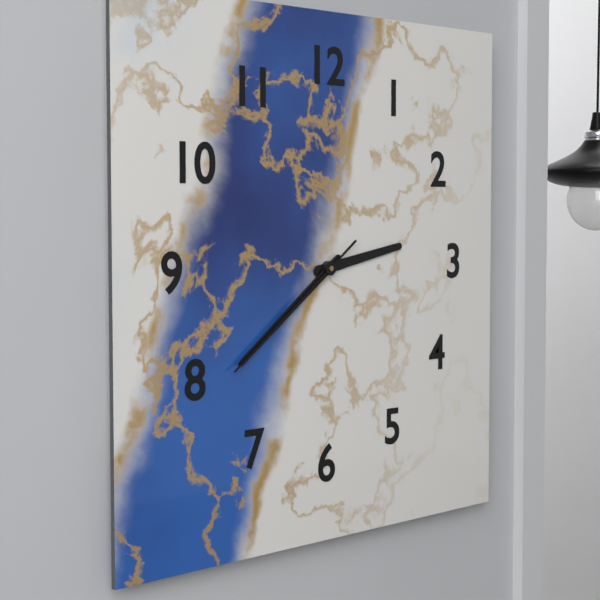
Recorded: 2h39m39s
